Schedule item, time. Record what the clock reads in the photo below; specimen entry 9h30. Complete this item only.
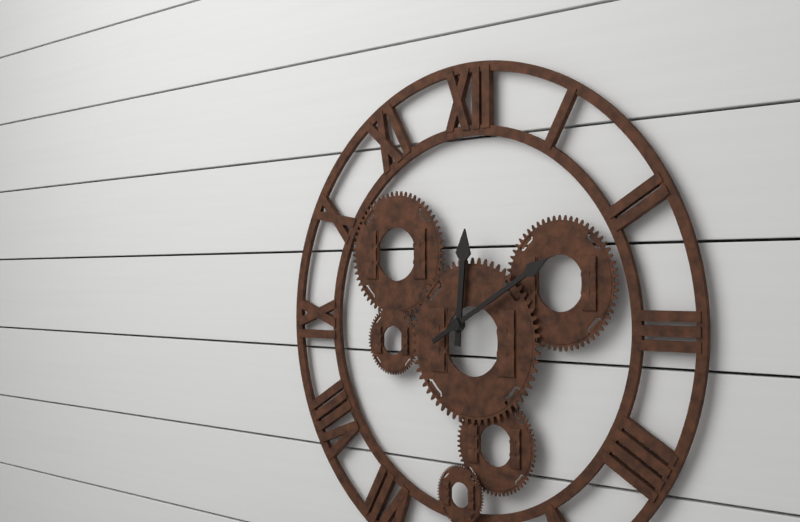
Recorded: 12h10
